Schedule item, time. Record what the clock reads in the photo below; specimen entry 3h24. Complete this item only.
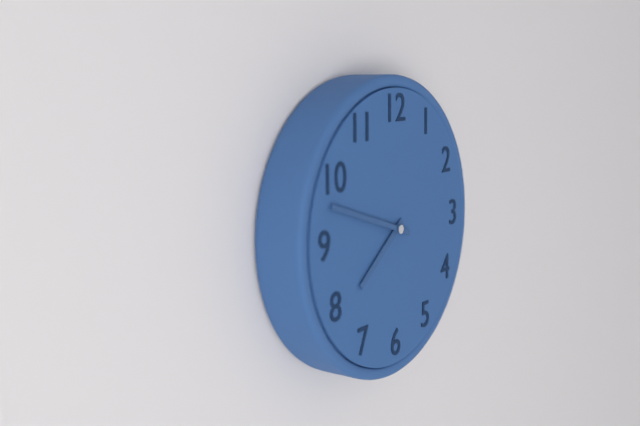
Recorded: 7h48
